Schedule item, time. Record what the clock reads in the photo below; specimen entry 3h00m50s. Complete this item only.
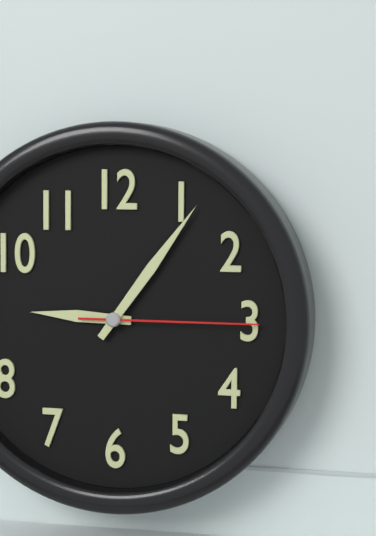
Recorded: 9h06m15s
